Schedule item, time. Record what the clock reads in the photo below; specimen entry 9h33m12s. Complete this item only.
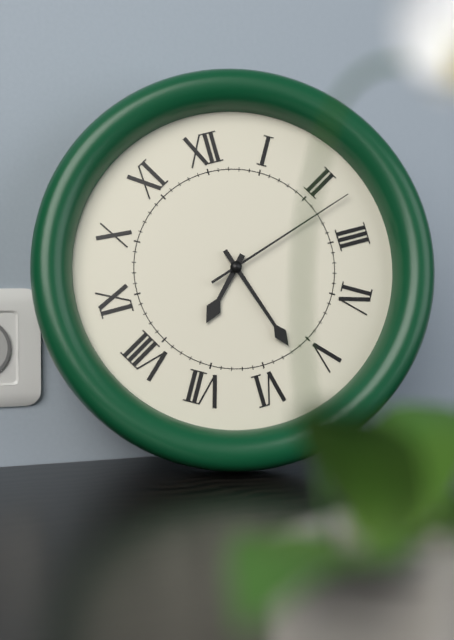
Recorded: 7h27m12s
